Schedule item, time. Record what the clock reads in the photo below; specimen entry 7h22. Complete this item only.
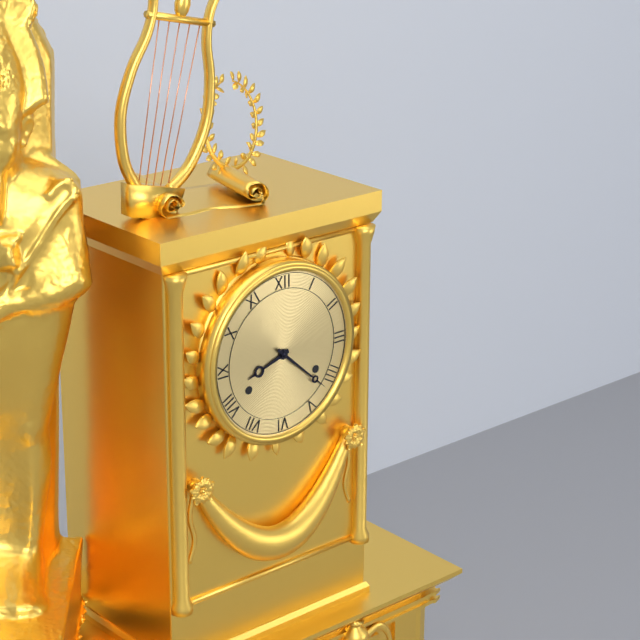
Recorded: 8h22
